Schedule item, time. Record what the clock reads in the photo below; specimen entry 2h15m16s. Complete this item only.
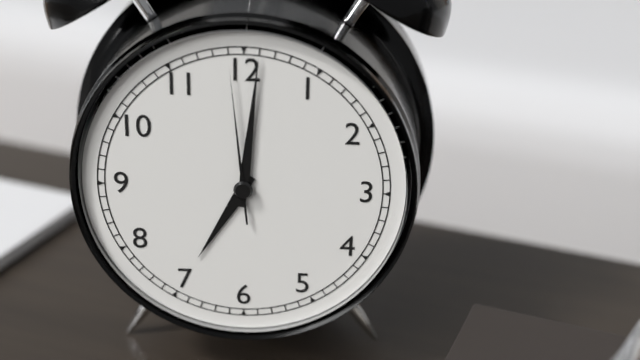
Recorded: 7h01m59s
